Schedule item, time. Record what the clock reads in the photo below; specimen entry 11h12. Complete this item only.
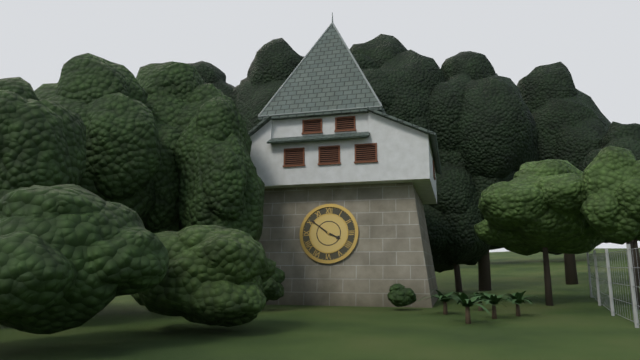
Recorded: 3h51
